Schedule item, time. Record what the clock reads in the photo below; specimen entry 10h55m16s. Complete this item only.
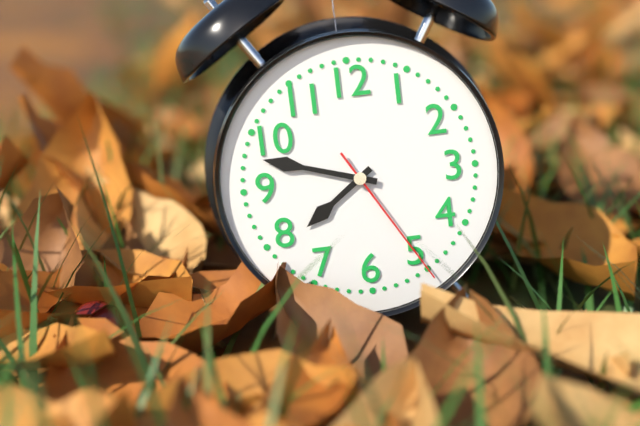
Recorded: 7h48m25s
